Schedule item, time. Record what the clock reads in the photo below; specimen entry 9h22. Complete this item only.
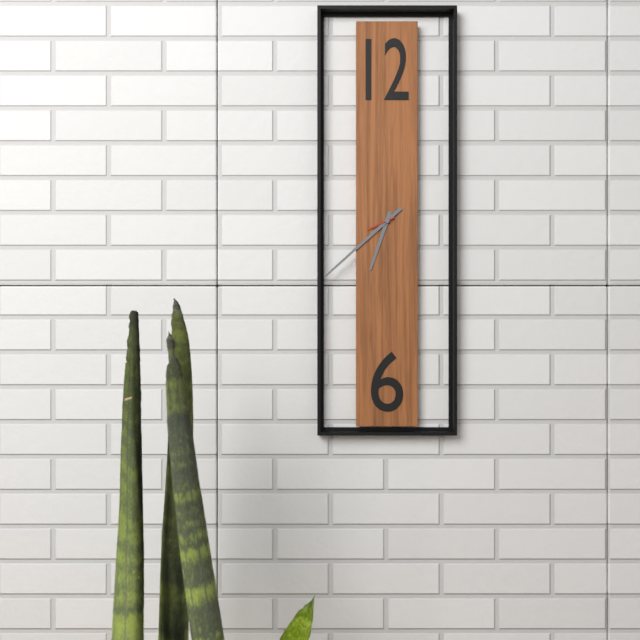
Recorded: 6h38
